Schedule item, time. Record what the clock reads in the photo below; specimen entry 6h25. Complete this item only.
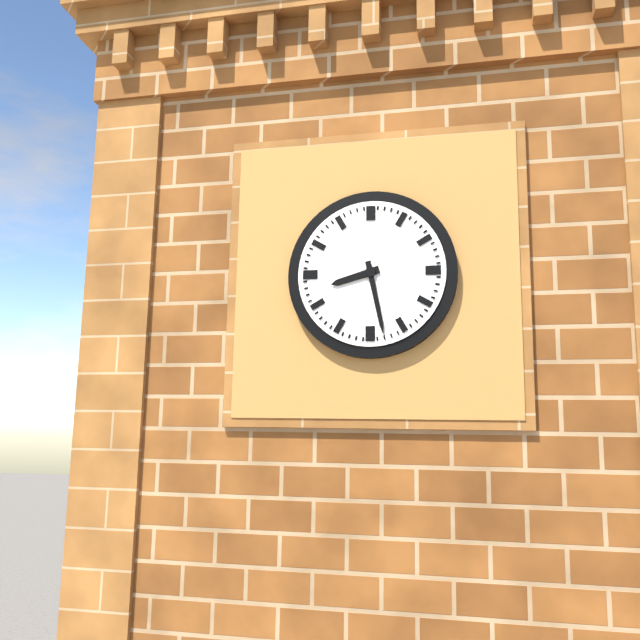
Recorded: 8h28
